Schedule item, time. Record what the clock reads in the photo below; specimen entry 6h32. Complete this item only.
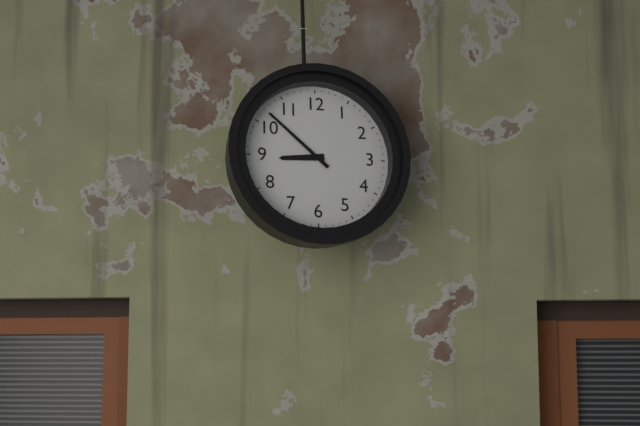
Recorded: 8h52
